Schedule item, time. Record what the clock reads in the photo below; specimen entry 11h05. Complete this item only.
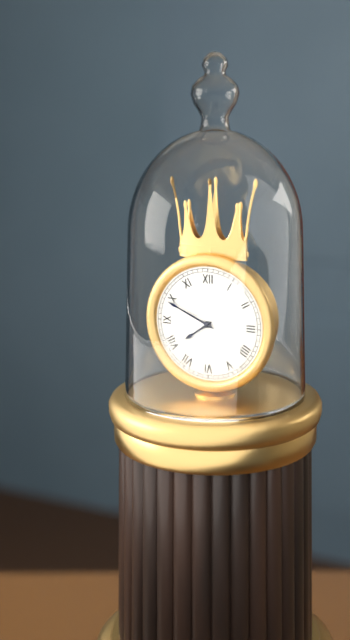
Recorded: 7h49
